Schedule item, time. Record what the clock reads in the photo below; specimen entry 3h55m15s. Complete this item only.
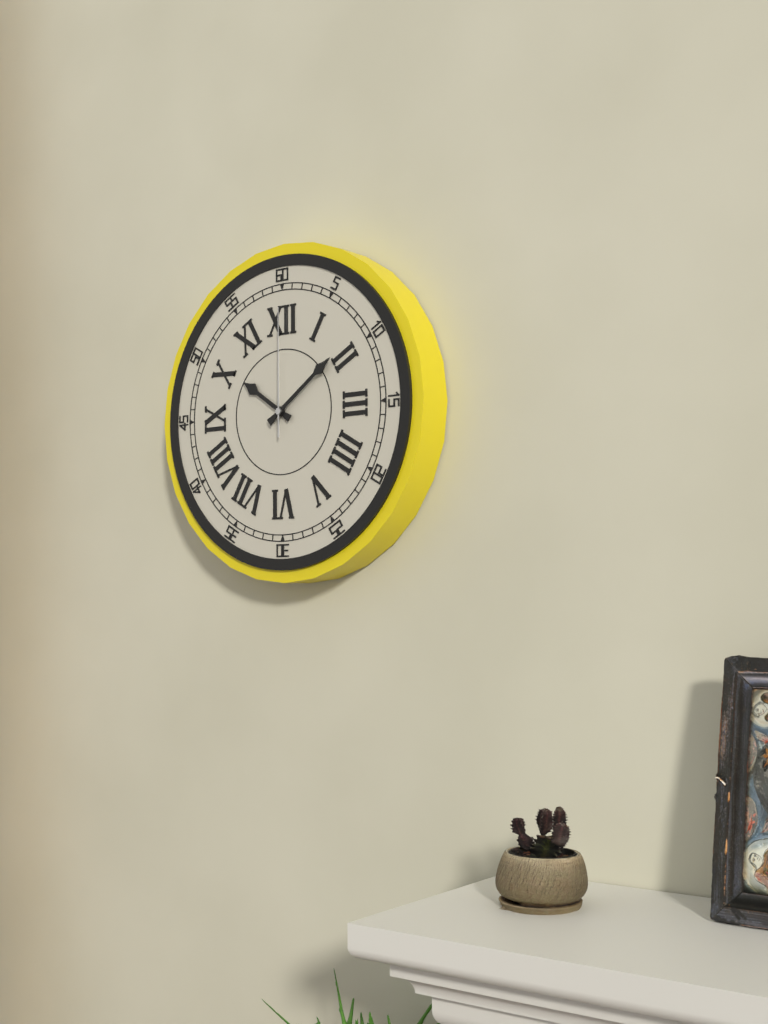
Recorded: 10h09m00s
